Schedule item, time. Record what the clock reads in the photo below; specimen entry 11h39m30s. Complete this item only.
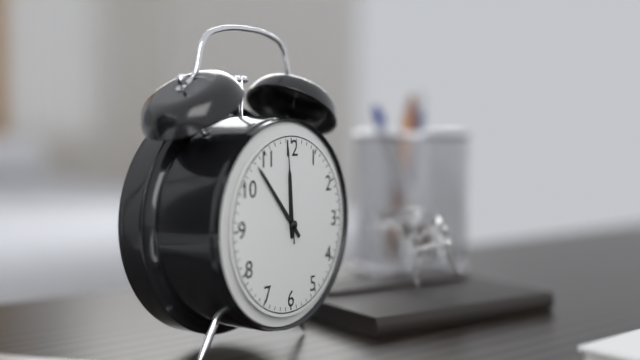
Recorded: 11h53m59s
